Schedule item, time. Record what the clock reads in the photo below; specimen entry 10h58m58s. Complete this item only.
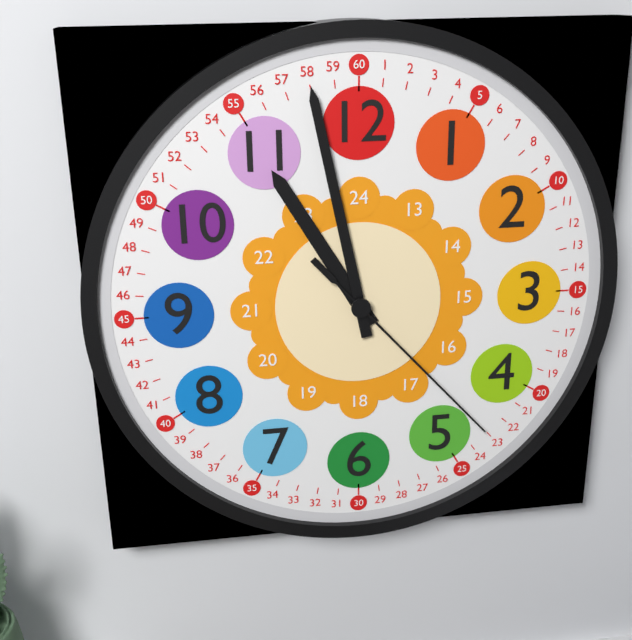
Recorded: 10h58m23s
